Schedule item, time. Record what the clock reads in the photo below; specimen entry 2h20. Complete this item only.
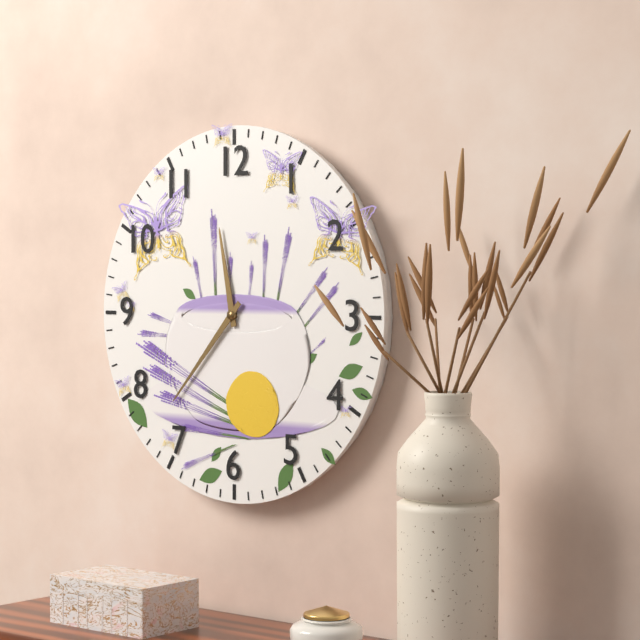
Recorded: 11h37
